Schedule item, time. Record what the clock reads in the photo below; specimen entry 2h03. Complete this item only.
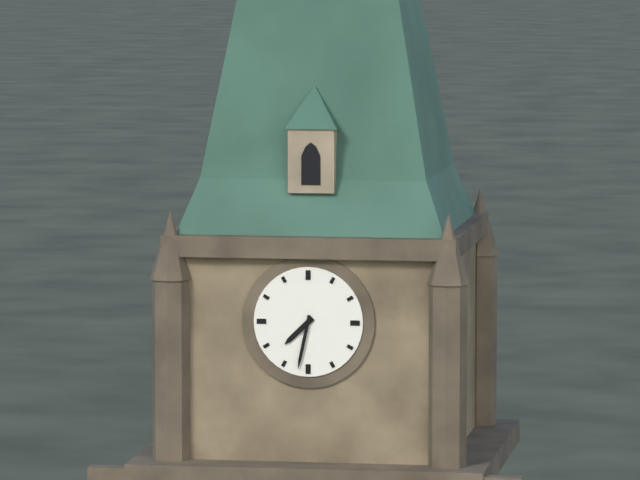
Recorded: 7h32
